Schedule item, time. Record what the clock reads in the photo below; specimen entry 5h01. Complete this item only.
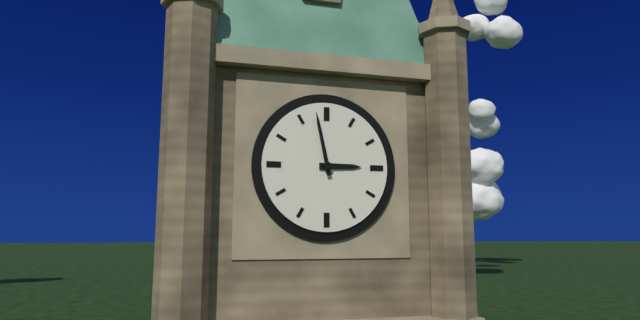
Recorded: 2h58
